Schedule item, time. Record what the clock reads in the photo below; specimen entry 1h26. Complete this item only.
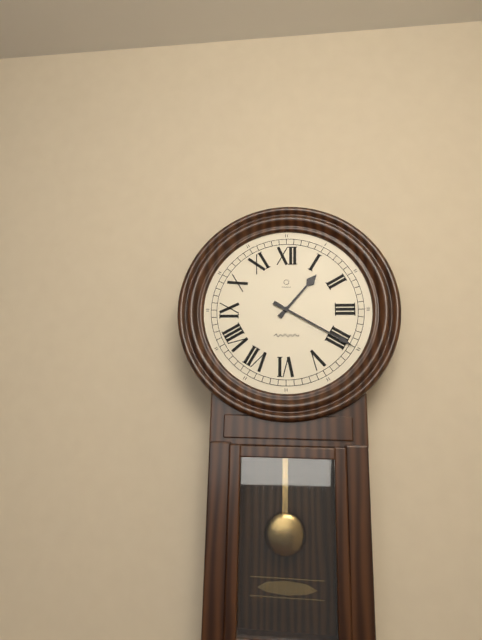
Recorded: 1h20
